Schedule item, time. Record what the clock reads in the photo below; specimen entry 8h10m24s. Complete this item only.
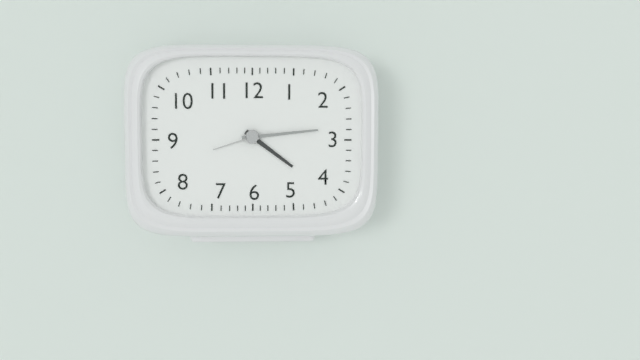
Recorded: 4h14m42s
